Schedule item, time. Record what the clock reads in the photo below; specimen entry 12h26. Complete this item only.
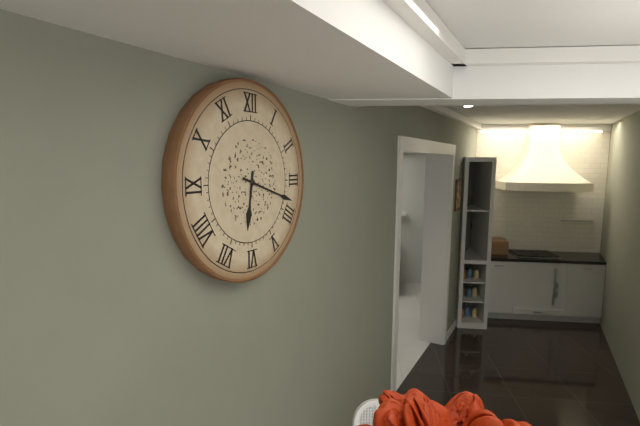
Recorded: 6h18
